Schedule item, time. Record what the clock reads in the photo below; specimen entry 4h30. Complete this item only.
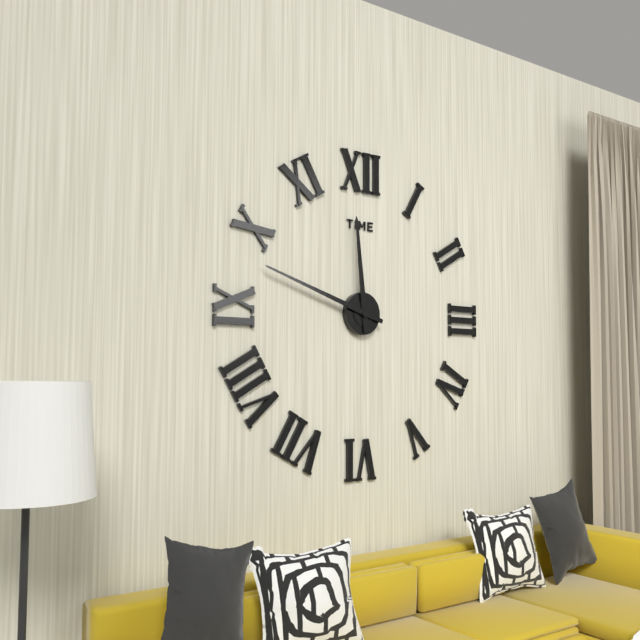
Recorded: 11h48
